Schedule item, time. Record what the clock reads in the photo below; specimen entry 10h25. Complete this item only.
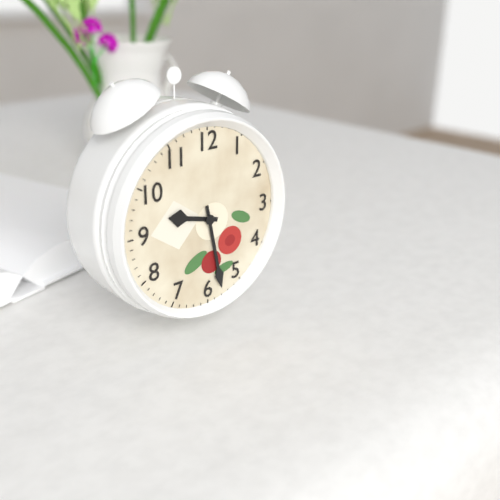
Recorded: 9h28
